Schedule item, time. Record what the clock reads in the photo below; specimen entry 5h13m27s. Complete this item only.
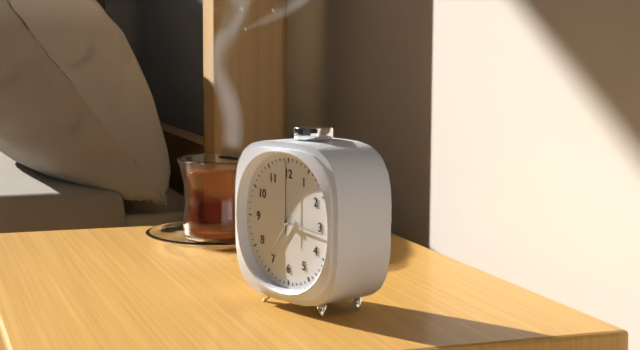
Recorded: 7h16m00s
